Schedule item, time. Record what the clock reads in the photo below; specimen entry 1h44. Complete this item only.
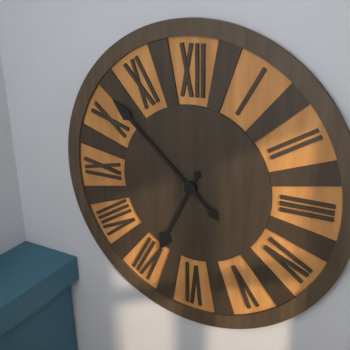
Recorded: 6h52
